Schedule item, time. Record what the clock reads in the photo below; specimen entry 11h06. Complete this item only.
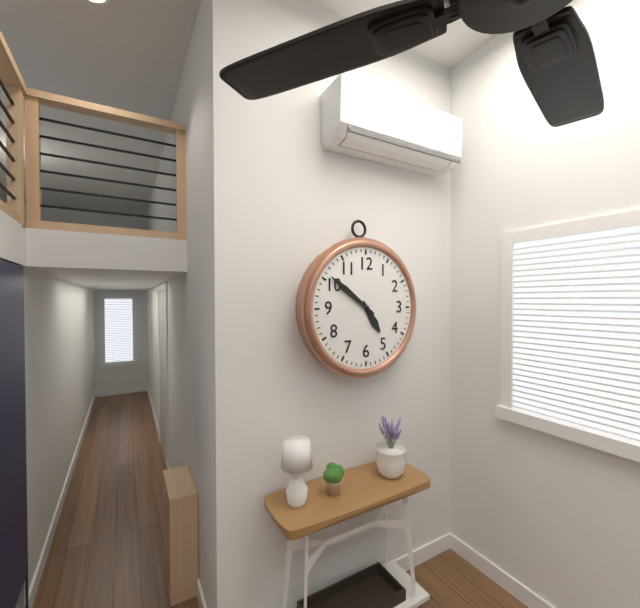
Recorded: 4h51
